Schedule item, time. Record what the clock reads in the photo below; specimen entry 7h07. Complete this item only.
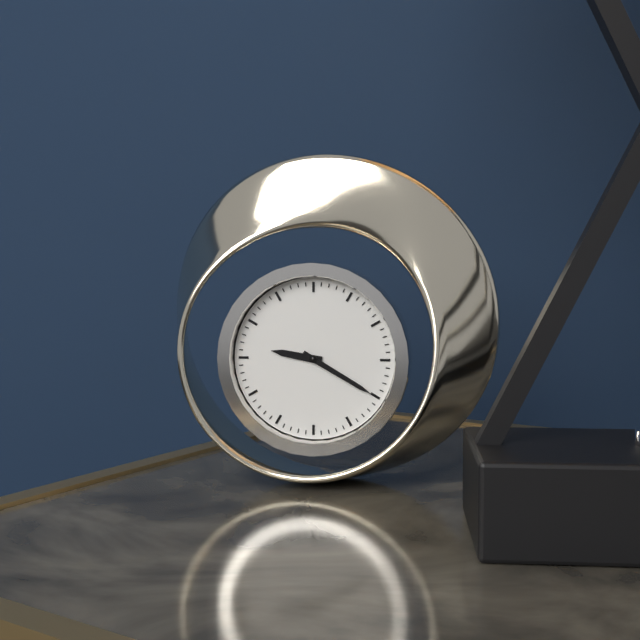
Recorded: 9h20
